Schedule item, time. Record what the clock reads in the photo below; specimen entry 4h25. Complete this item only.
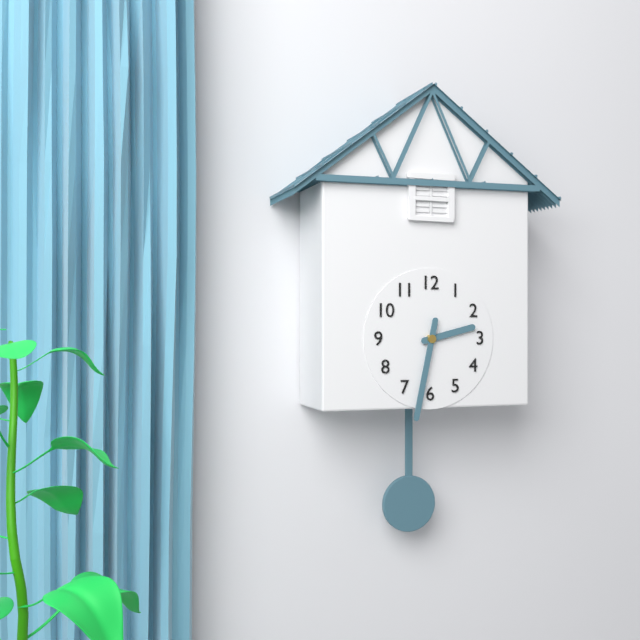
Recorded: 2h32
